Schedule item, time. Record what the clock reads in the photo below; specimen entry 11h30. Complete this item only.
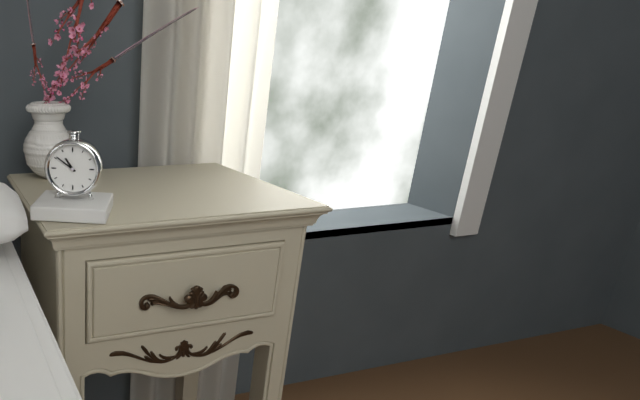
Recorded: 10h51
